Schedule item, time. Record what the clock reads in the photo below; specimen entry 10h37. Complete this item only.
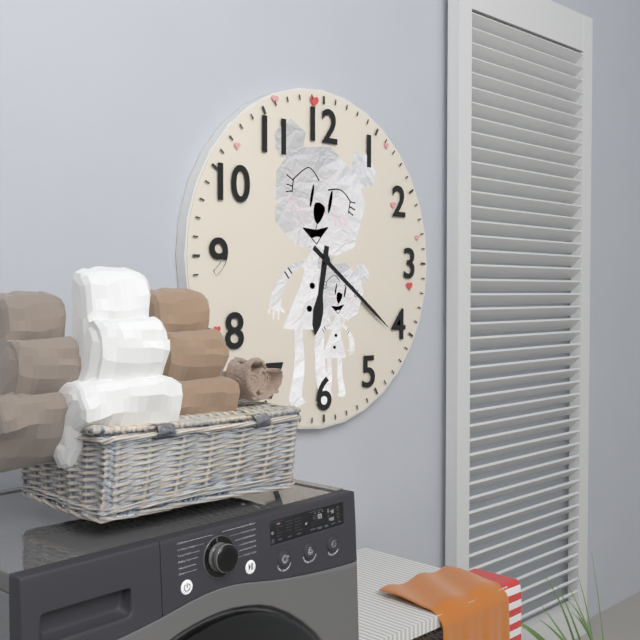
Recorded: 6h21
